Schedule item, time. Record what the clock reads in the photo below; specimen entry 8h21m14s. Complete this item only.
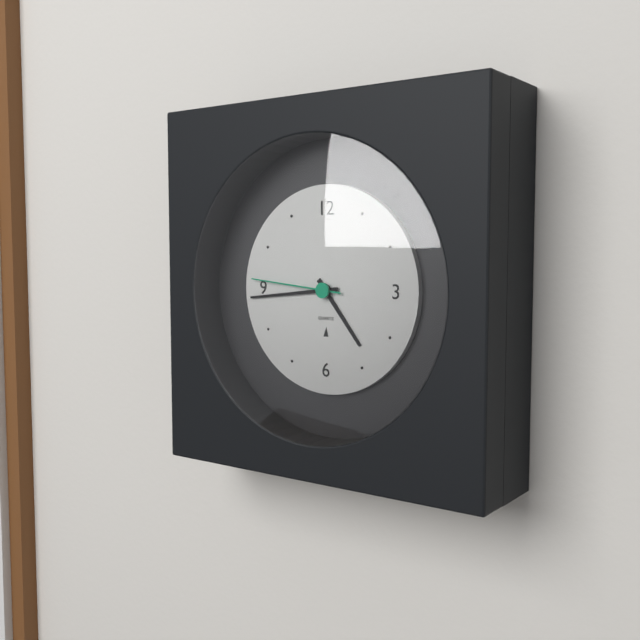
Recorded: 4h44m46s
